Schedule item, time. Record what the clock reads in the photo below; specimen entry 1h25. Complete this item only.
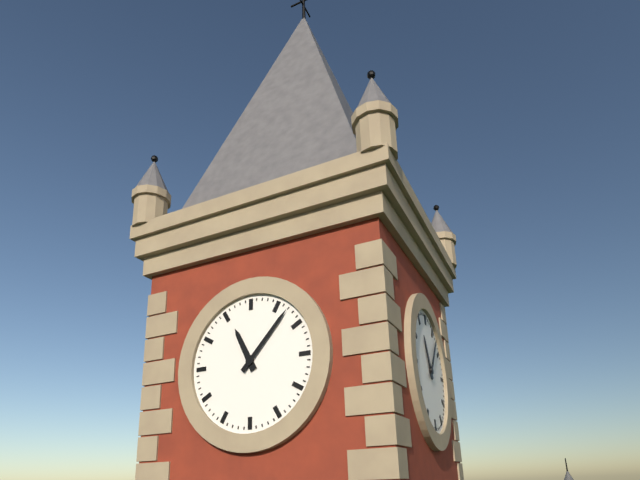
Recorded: 11h07
